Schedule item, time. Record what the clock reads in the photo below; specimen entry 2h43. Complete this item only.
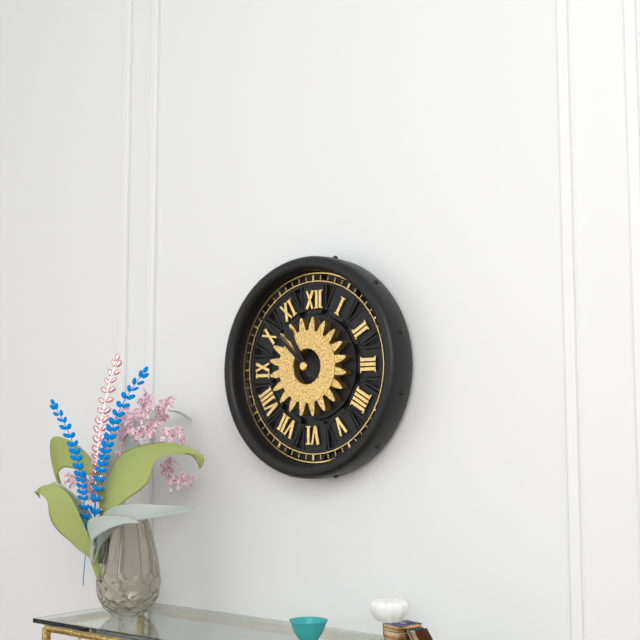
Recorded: 10h52
